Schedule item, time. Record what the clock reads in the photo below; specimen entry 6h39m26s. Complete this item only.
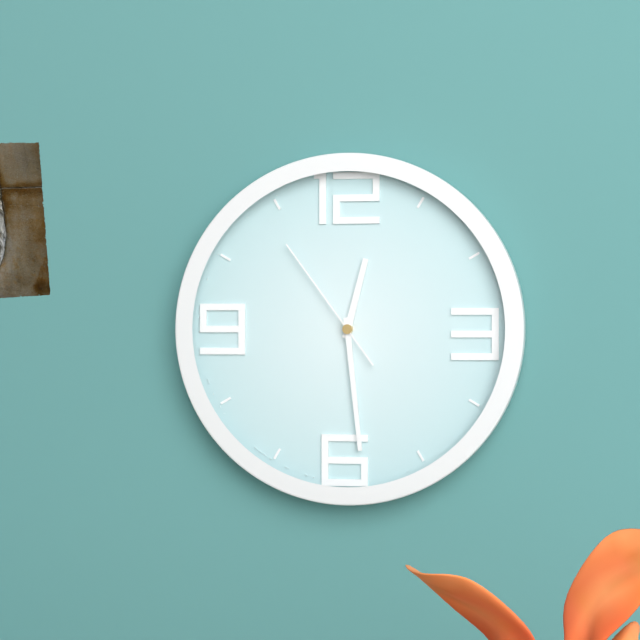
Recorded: 12h29m54s
